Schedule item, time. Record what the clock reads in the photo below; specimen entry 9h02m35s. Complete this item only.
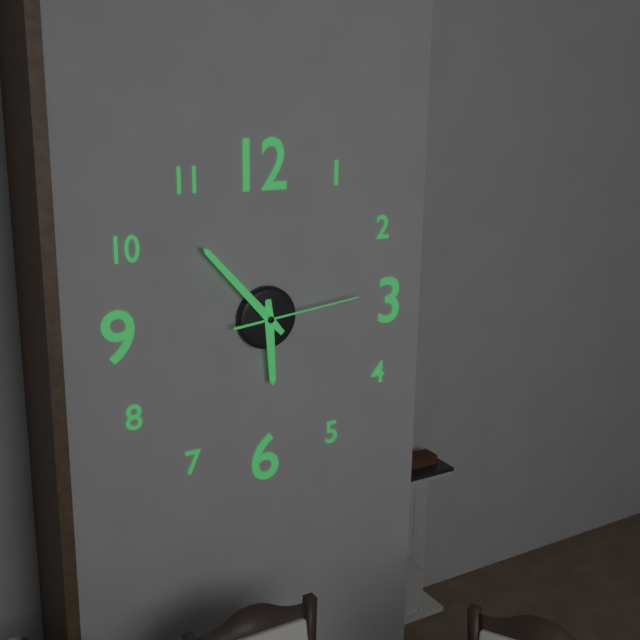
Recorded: 5h53m14s
